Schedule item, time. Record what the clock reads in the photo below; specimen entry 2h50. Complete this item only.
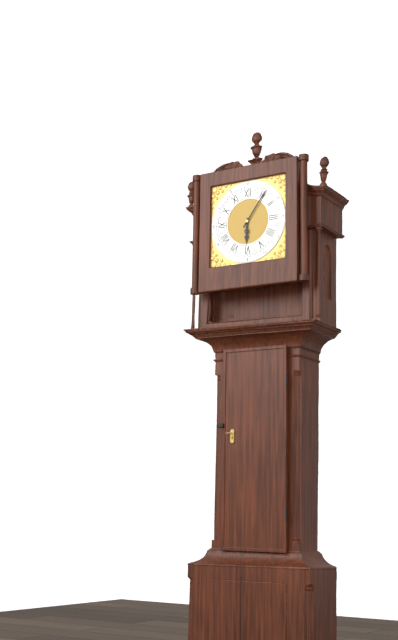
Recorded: 6h06
